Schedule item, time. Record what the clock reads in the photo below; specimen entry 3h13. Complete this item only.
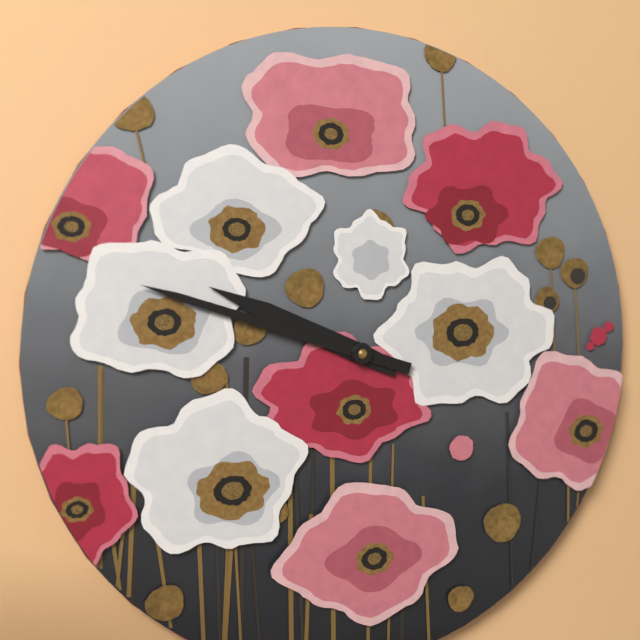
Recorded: 9h48
